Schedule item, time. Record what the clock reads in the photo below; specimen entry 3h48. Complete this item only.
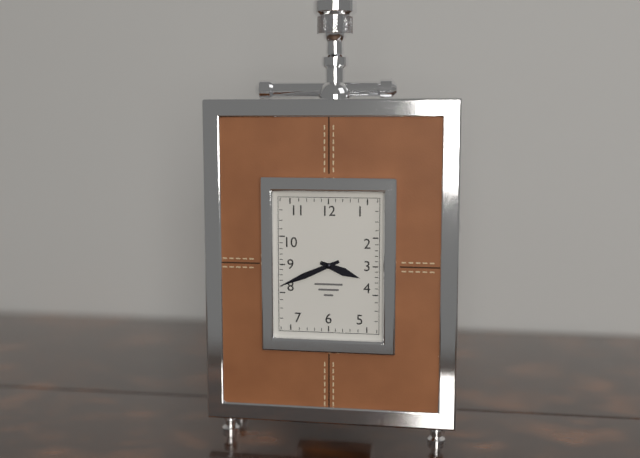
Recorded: 3h41
